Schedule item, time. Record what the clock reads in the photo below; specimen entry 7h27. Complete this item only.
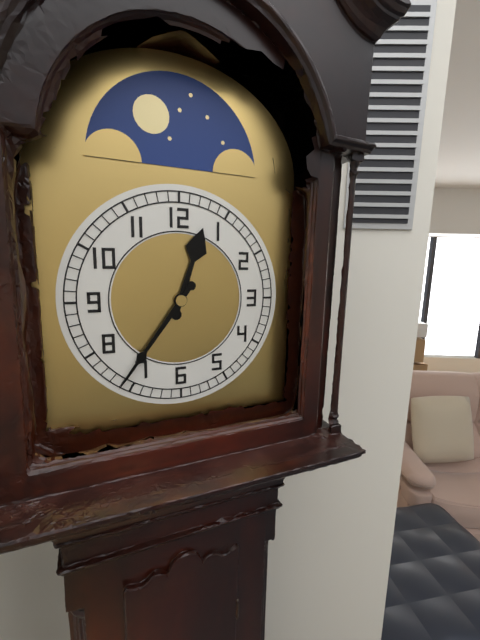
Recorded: 12h36
